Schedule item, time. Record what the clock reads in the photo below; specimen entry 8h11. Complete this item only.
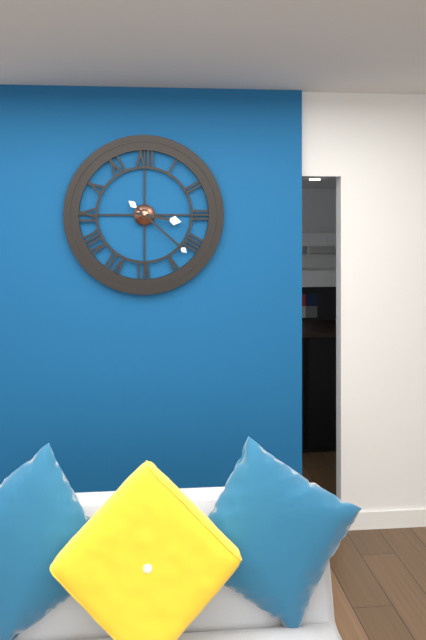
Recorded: 3h22
